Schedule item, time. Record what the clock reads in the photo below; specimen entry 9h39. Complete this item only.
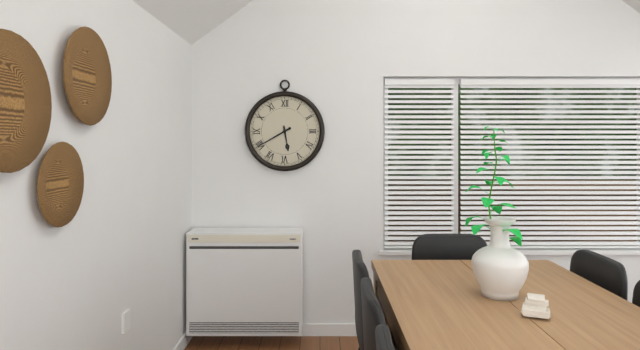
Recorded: 5h40
